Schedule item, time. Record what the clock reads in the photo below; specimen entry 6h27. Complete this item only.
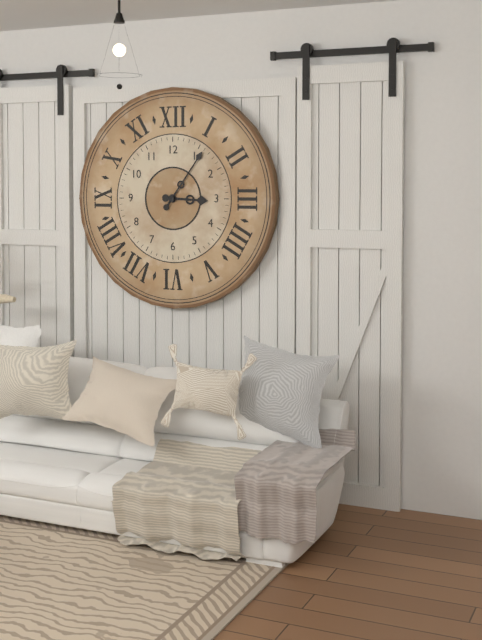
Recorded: 3h06
